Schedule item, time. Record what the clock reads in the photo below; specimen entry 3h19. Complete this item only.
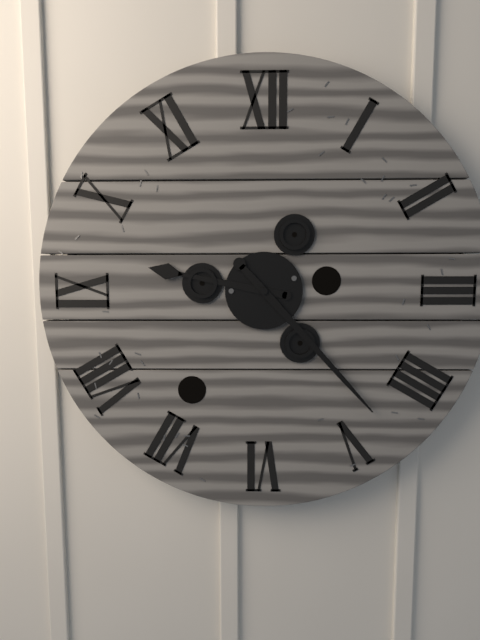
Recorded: 9h23
